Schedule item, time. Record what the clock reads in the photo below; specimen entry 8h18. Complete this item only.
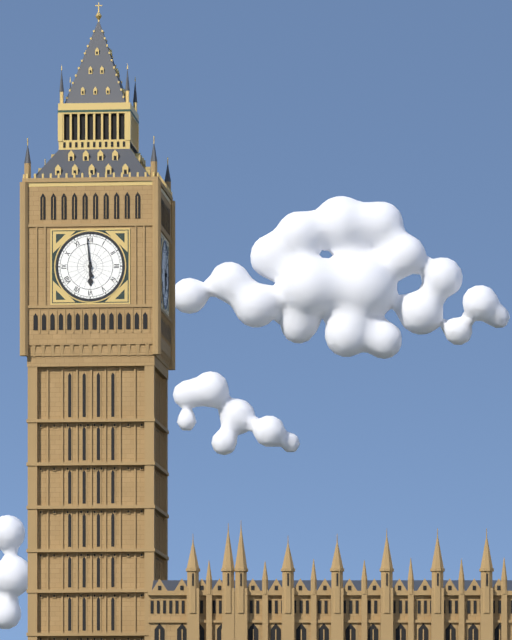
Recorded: 5h59
